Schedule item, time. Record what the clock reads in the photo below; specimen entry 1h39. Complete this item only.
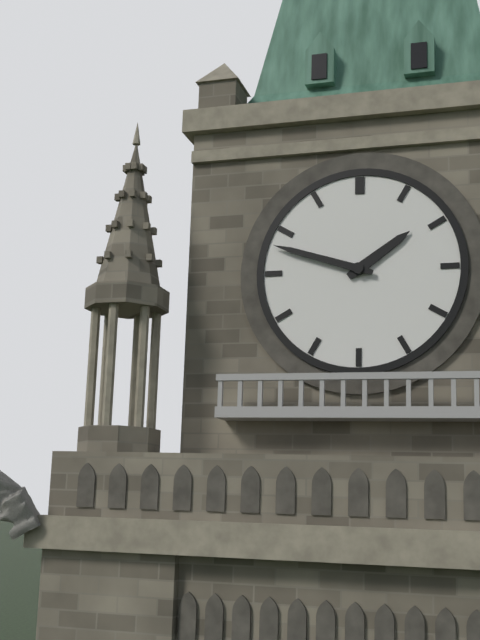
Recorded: 1h48
